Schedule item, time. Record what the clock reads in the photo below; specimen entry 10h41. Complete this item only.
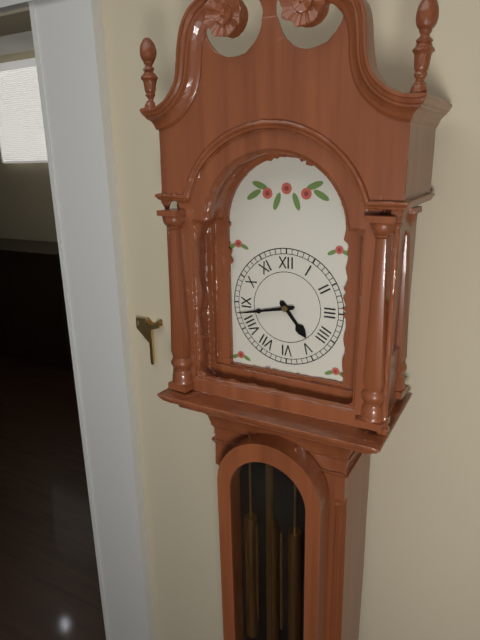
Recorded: 4h43
